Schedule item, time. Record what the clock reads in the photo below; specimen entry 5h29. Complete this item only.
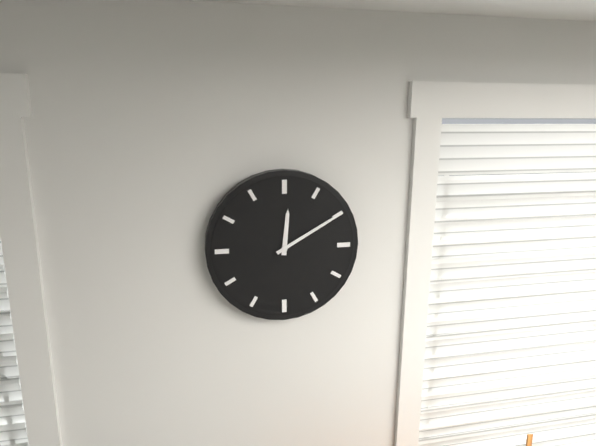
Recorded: 12h10
